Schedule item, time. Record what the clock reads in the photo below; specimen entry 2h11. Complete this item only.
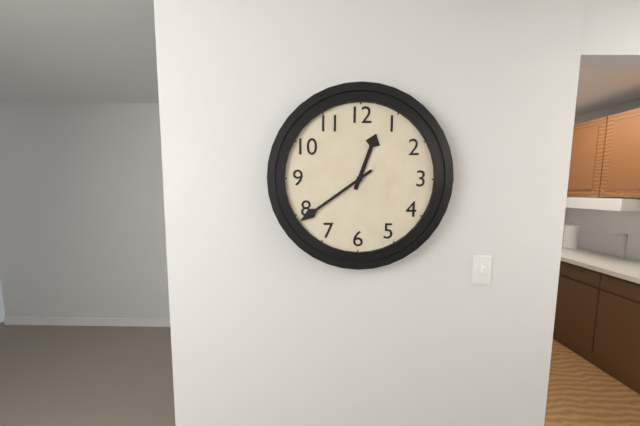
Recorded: 12h39
